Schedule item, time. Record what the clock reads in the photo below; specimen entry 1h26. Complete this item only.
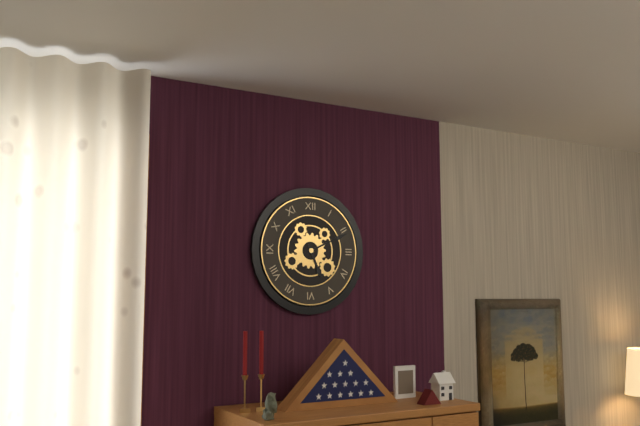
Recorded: 5h11
